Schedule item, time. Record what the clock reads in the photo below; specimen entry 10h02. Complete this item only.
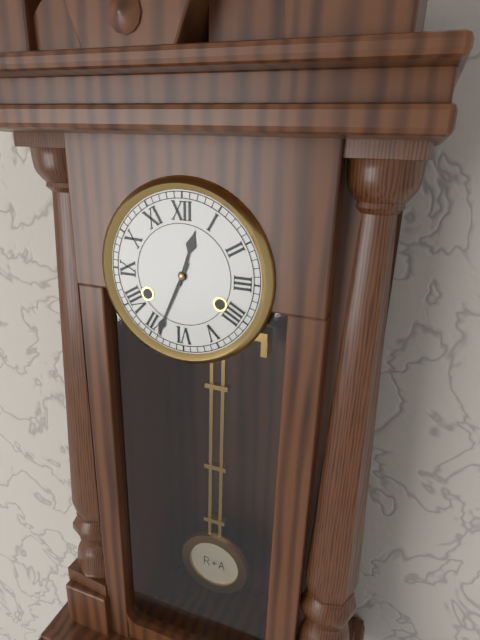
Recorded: 12h34
